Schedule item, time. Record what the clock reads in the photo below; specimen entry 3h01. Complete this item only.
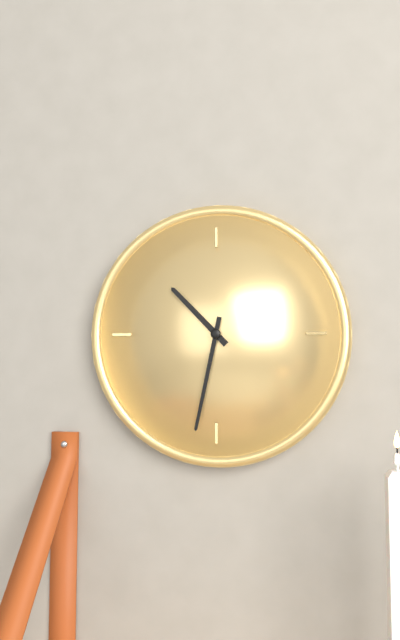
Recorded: 10h32
